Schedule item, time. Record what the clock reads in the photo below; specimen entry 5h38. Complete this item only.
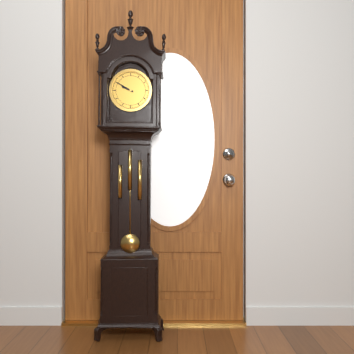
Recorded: 9h50
